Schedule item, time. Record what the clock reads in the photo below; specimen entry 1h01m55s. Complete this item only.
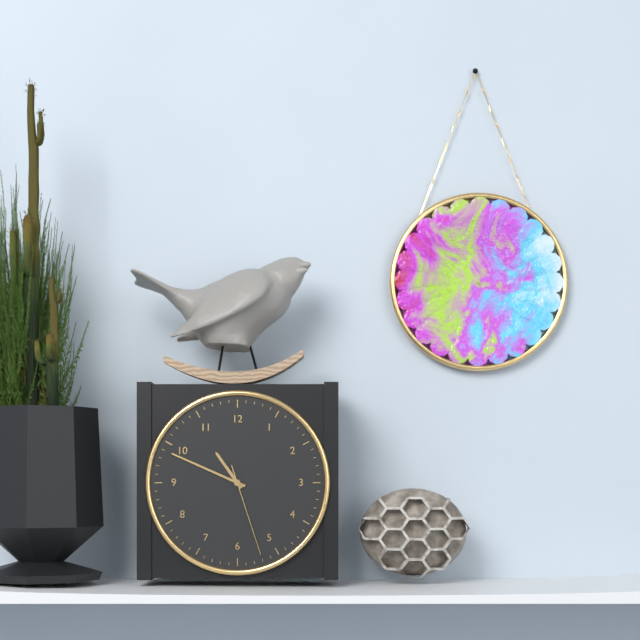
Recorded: 10h49m27s
